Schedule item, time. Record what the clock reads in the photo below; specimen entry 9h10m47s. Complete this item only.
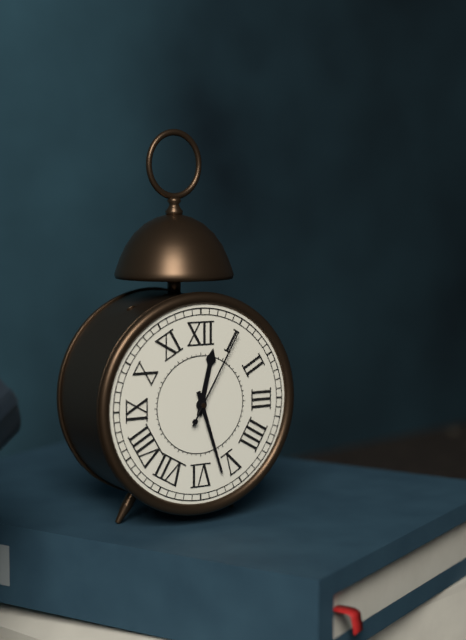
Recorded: 12h27m05s
